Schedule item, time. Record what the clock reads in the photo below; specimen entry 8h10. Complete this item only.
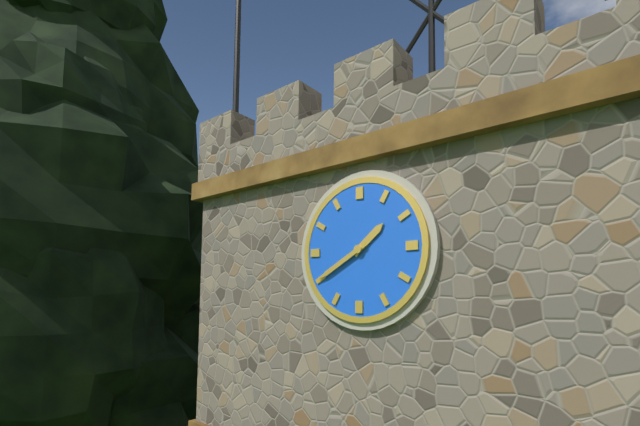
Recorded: 1h40
